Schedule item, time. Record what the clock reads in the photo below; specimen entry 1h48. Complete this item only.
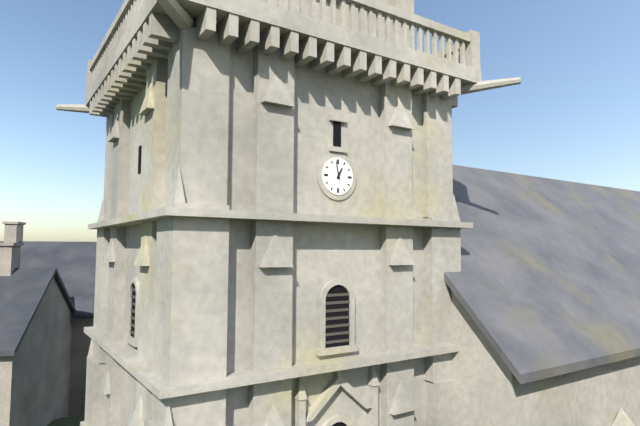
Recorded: 12h58
